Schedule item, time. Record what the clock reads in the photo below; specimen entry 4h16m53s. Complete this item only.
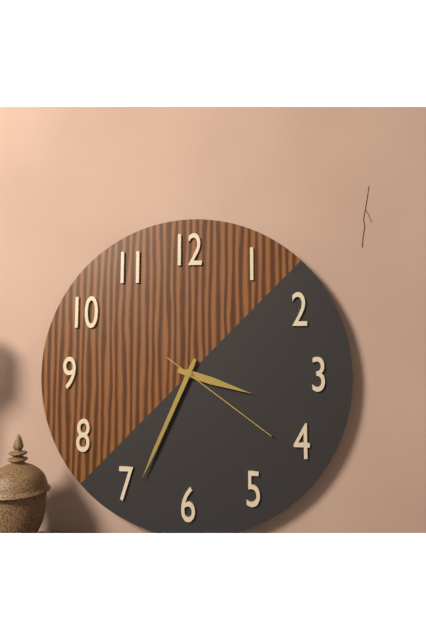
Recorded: 3h34m21s
